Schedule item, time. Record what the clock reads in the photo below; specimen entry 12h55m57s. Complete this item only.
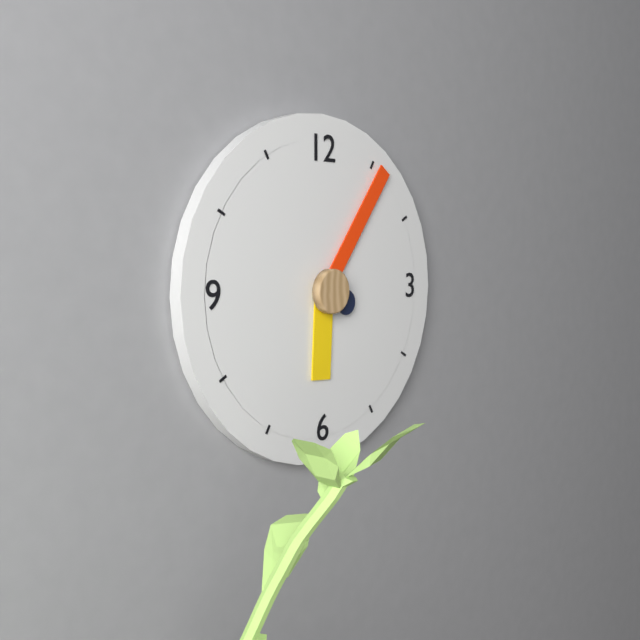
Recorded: 6h06m19s
